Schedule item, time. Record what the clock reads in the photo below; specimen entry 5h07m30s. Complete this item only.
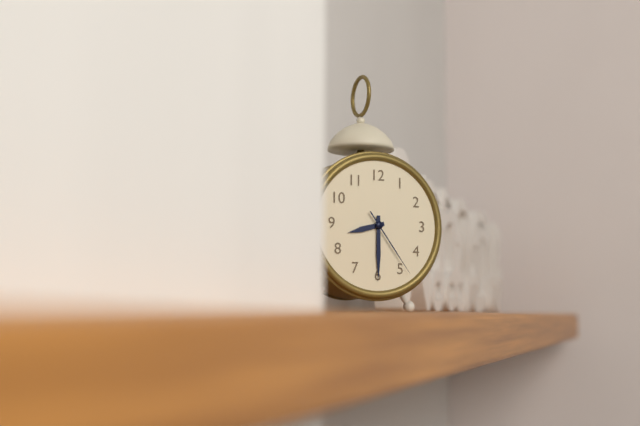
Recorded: 8h30m24s
